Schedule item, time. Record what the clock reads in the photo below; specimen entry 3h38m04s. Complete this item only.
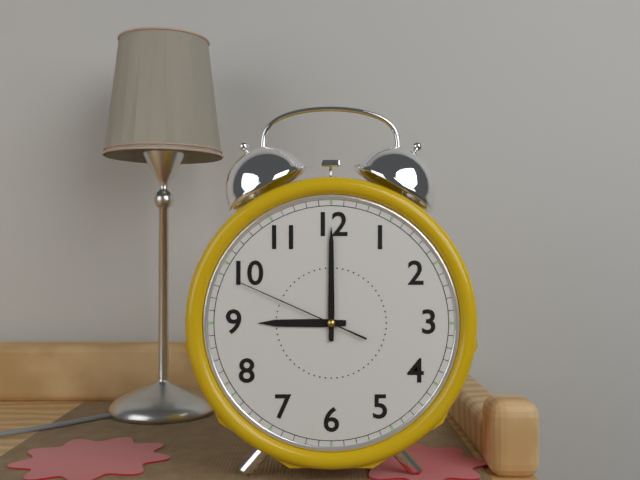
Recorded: 9h00m49s
